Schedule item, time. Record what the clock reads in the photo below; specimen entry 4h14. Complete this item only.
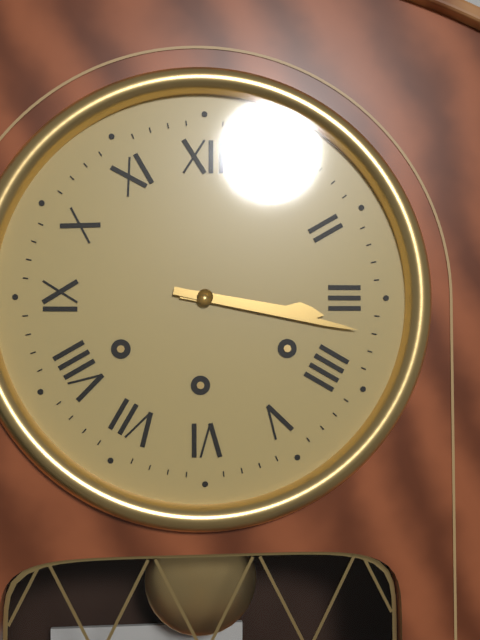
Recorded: 3h17
